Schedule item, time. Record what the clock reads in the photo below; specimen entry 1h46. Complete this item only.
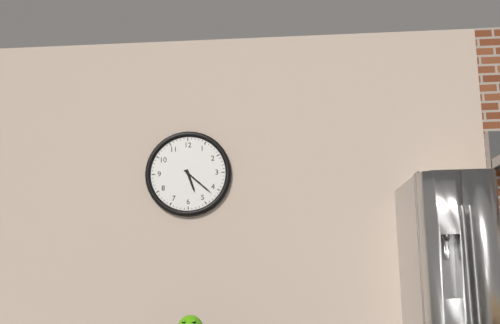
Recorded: 5h22
